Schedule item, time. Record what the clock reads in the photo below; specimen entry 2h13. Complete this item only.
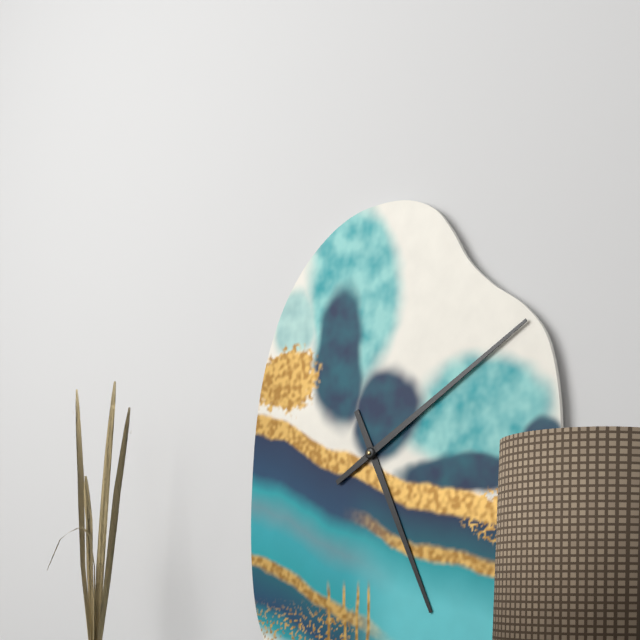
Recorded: 5h10
